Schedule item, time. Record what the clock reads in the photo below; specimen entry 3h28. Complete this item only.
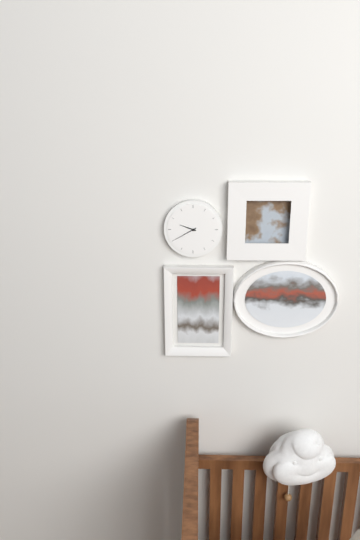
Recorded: 9h40
